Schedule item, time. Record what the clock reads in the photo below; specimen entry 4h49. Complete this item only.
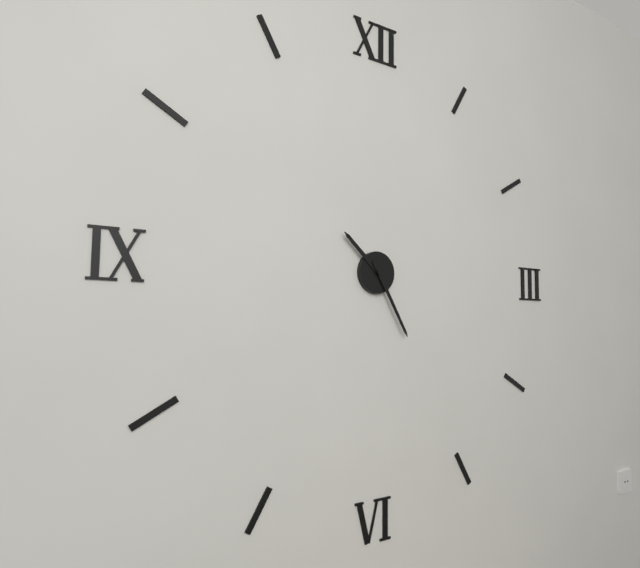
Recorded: 10h25
